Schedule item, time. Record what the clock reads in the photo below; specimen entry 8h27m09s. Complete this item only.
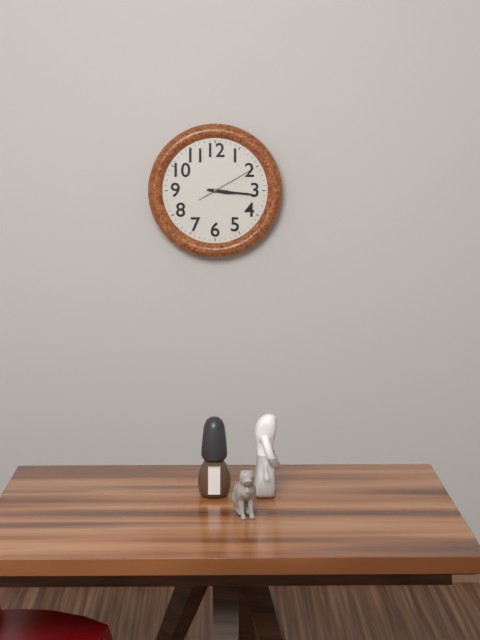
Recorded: 3h16m10s
